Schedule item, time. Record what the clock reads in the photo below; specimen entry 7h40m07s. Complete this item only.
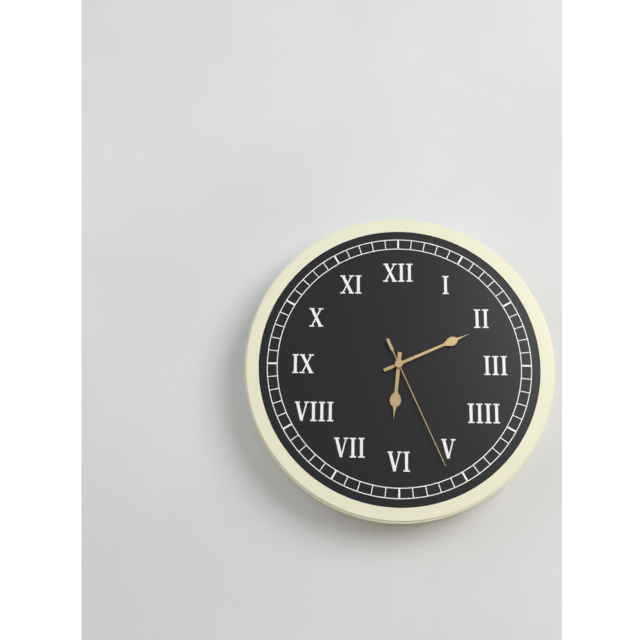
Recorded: 6h11m26s
